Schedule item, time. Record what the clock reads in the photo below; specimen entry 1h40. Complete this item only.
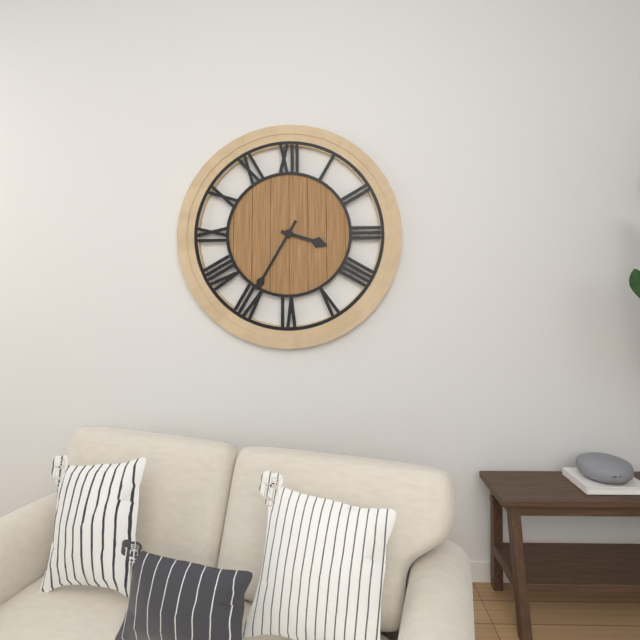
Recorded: 3h35
